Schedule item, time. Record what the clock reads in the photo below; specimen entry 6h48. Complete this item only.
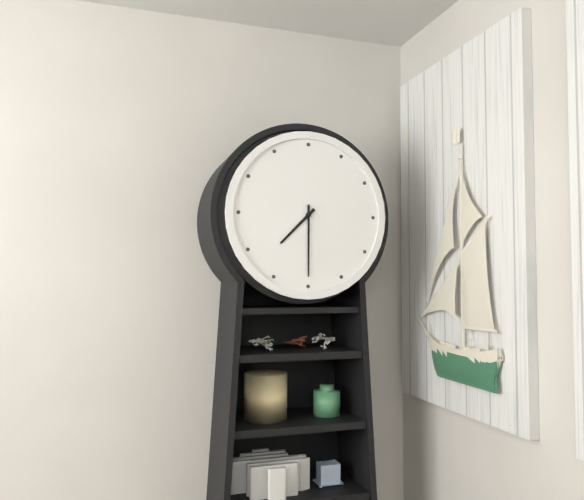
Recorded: 7h30
